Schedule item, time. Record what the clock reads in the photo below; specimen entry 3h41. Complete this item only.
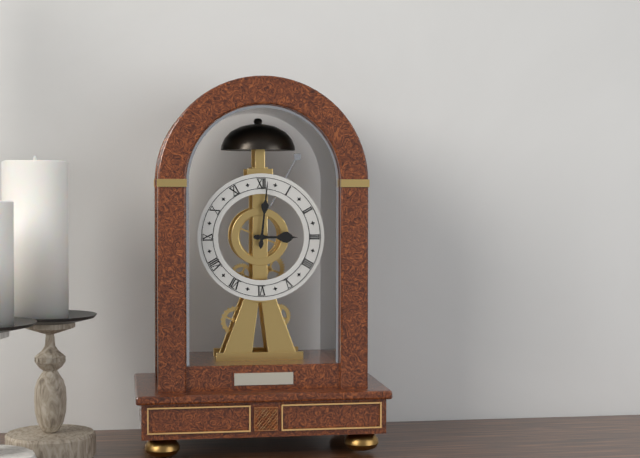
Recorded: 3h01
